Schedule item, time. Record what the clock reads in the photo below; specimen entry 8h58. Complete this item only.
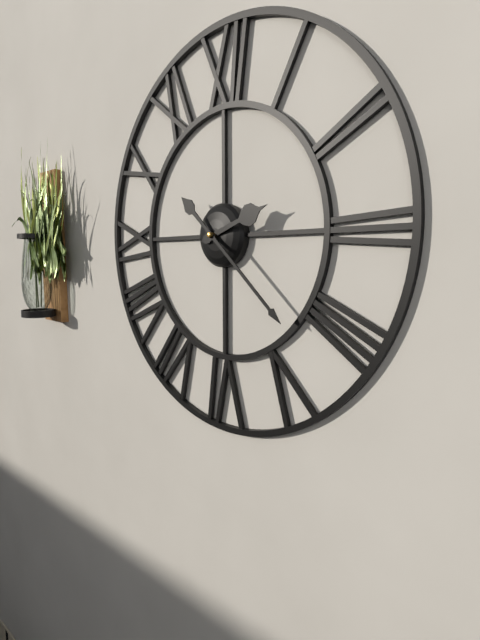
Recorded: 2h22
